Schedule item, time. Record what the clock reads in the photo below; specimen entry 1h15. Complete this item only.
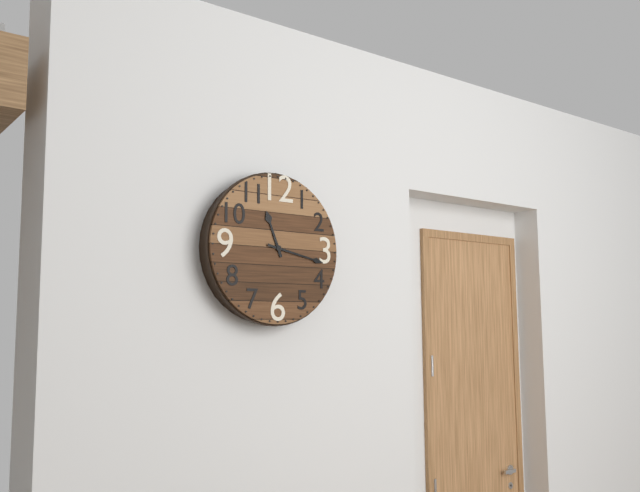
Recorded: 11h17
